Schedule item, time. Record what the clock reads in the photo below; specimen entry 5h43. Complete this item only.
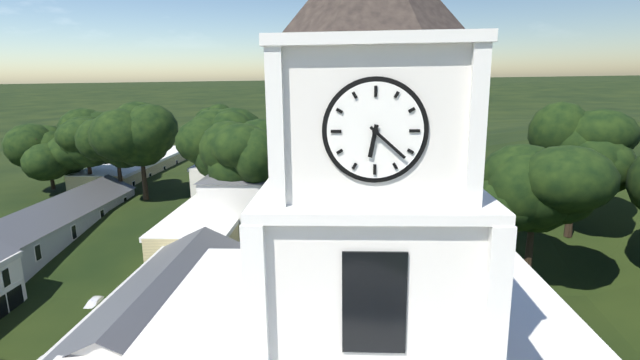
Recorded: 6h22
